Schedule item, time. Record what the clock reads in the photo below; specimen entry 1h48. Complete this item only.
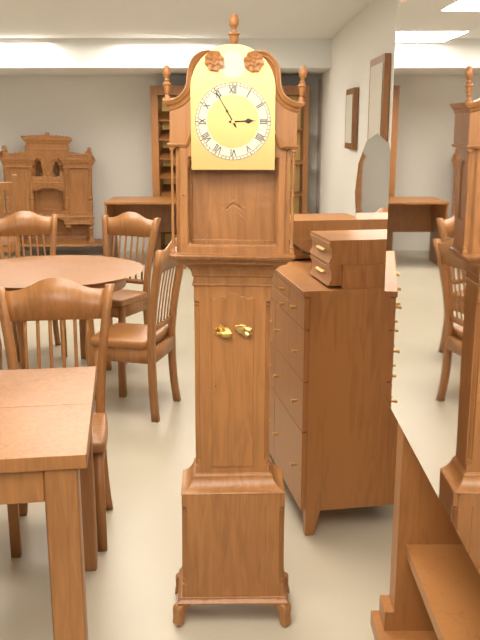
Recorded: 2h55
